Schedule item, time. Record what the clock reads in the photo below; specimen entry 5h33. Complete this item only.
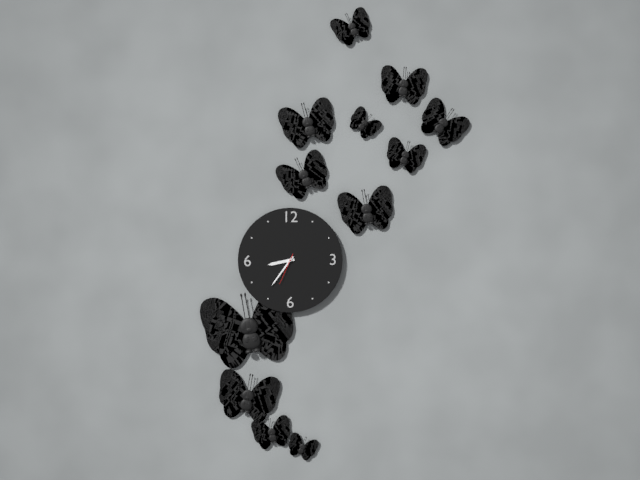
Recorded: 8h36
